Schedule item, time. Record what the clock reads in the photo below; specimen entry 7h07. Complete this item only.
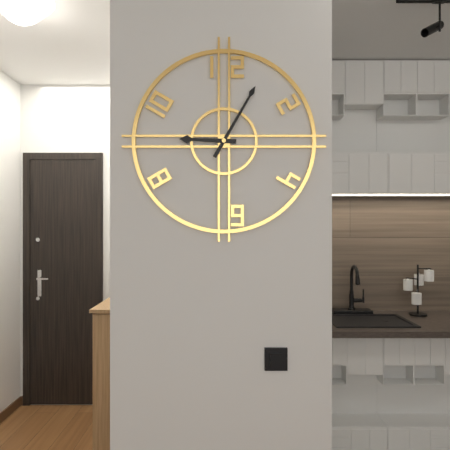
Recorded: 9h05
